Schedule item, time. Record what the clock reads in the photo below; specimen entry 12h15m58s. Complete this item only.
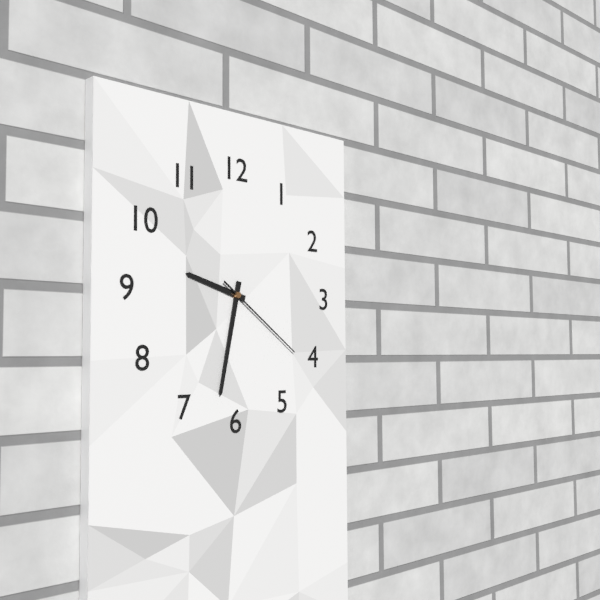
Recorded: 9h32m21s
